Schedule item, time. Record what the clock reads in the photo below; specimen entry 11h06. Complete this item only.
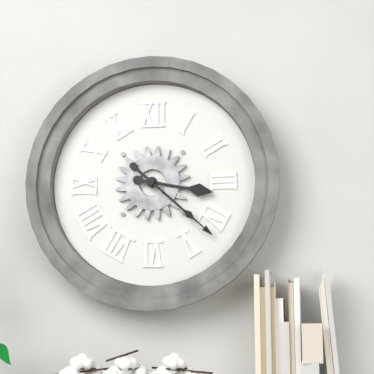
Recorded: 3h22
